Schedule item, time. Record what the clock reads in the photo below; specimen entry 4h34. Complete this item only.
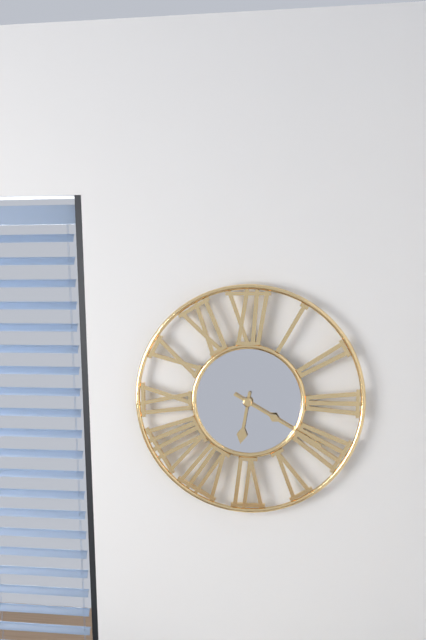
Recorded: 6h20
